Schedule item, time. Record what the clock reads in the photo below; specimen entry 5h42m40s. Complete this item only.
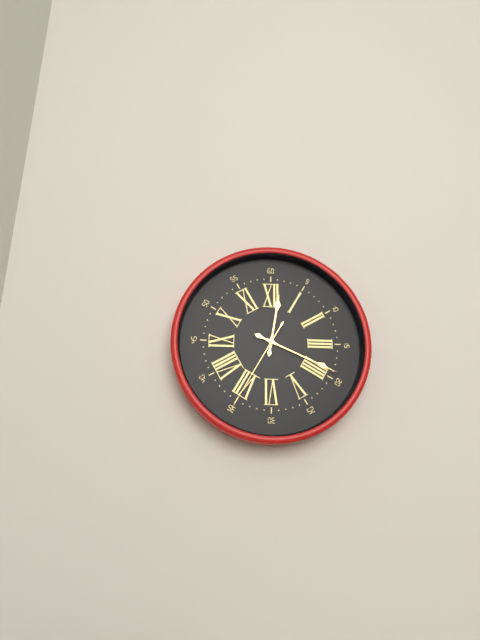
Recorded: 12h19m35s
